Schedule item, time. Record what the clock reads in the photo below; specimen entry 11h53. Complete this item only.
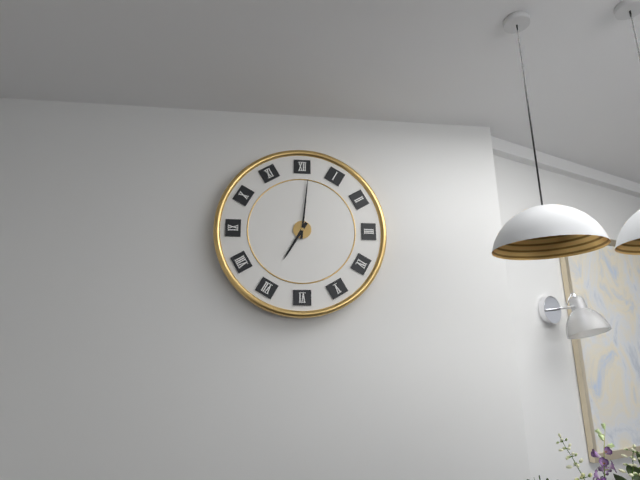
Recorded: 7h01
